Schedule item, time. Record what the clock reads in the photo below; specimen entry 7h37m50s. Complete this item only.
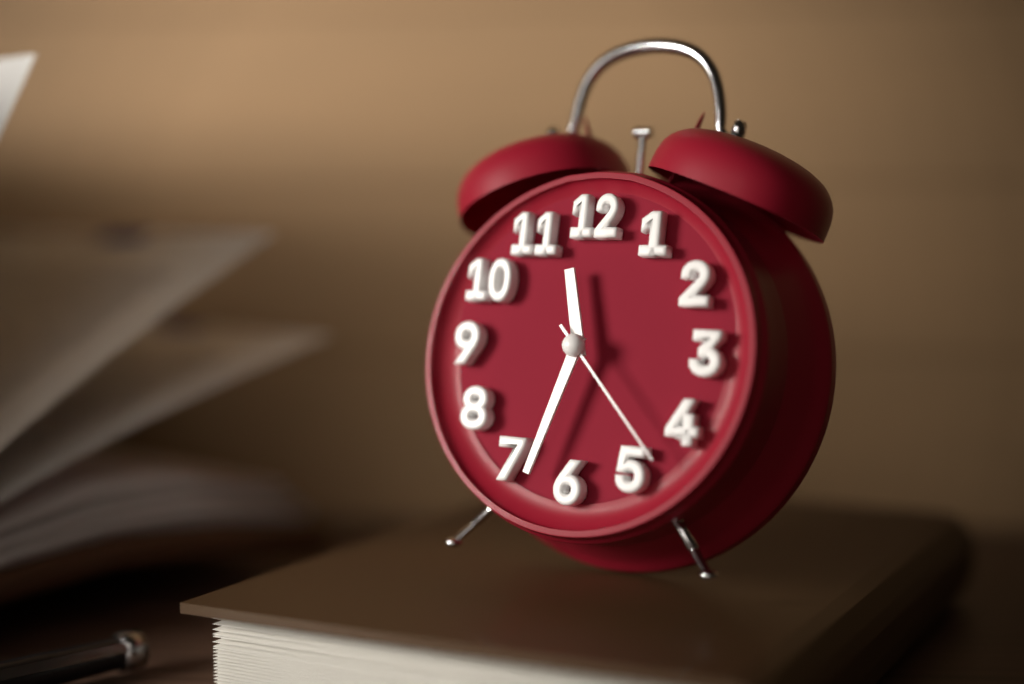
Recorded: 11h33m23s
